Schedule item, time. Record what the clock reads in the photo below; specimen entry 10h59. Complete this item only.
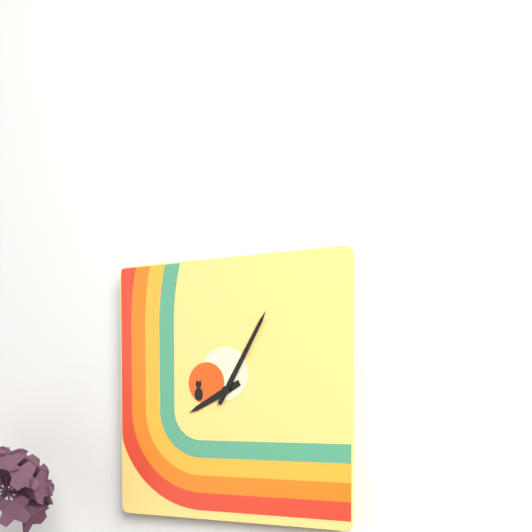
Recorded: 8h05
